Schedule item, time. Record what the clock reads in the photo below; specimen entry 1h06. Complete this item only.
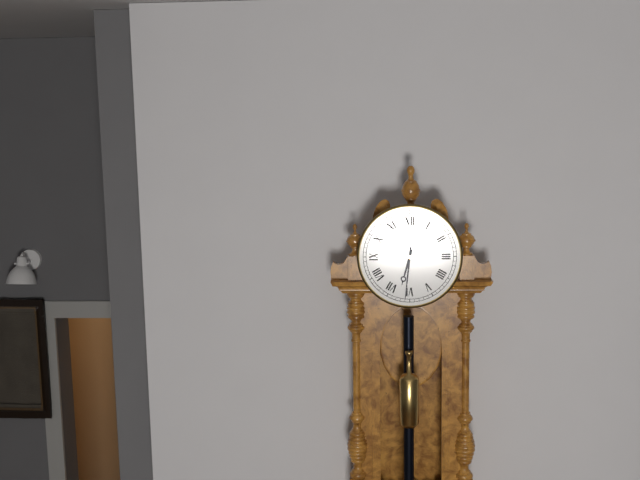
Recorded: 6h31
